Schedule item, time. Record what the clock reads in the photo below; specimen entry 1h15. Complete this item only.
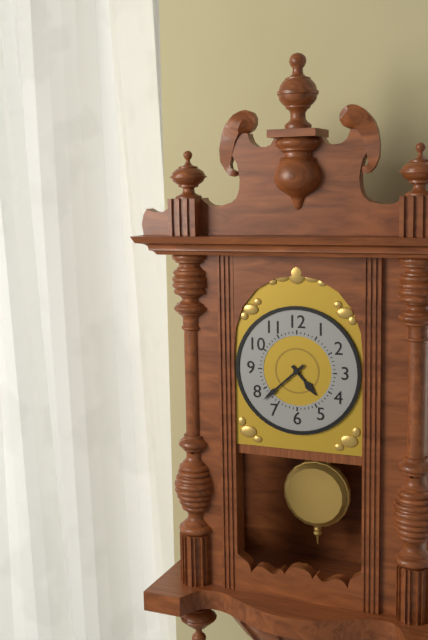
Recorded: 4h38
